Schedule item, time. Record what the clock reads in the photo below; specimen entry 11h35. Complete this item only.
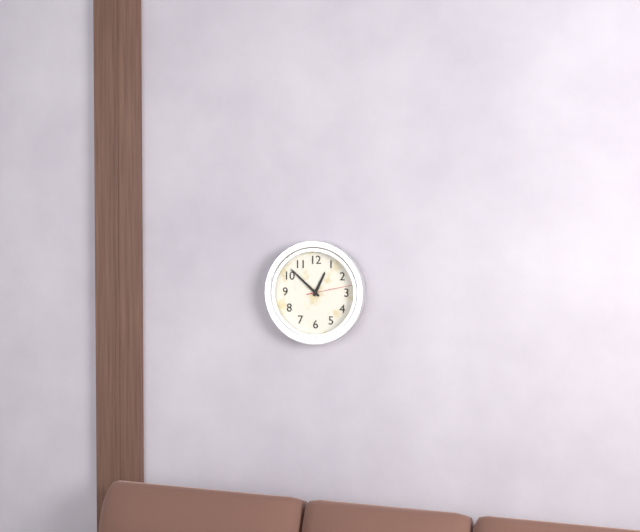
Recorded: 12h52
